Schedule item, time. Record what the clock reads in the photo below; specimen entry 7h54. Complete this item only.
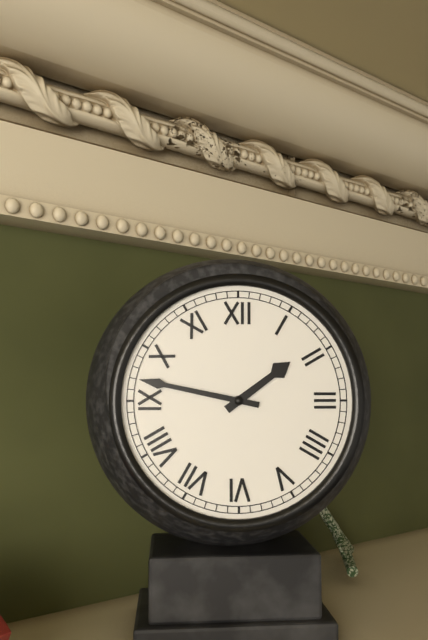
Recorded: 1h47
